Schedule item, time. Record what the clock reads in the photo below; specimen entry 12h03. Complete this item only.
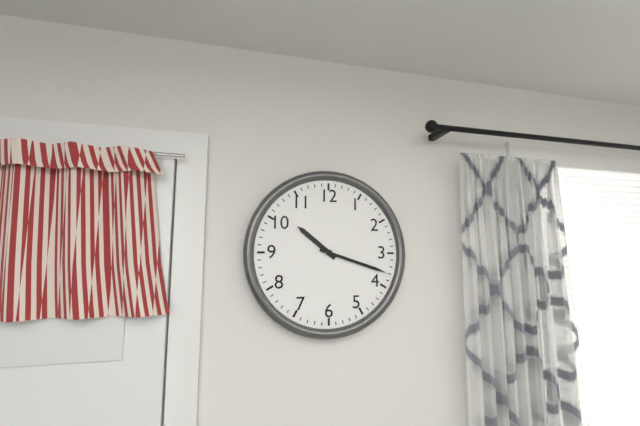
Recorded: 10h18
